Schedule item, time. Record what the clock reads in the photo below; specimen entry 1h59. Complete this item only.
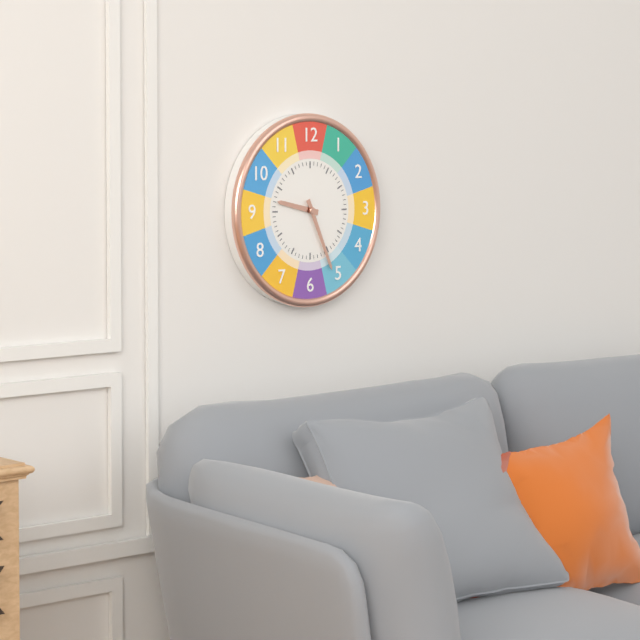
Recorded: 9h26
